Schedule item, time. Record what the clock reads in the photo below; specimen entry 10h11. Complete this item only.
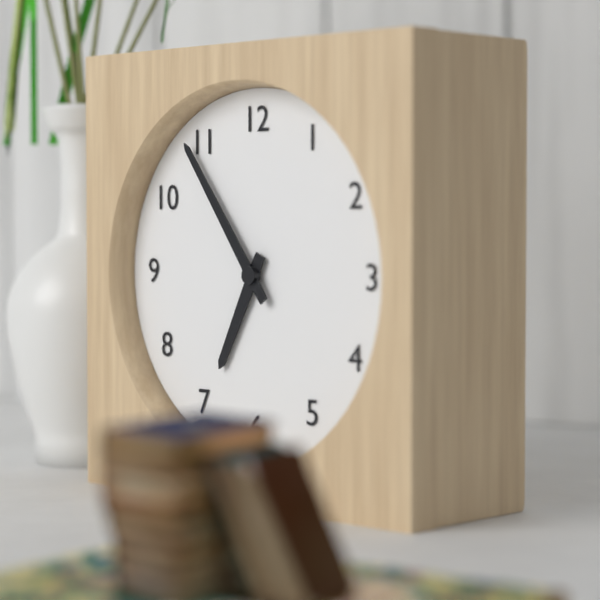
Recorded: 6h54
